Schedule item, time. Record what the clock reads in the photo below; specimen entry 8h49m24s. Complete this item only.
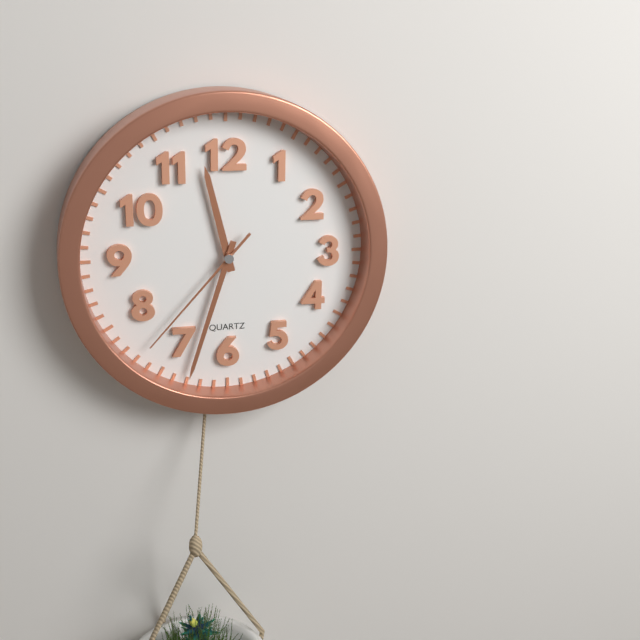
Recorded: 11h33m37s
